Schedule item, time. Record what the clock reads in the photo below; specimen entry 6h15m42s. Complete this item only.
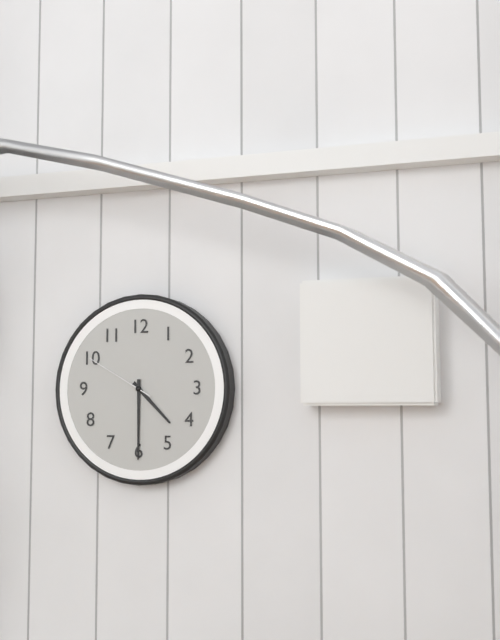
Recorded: 4h30m50s
